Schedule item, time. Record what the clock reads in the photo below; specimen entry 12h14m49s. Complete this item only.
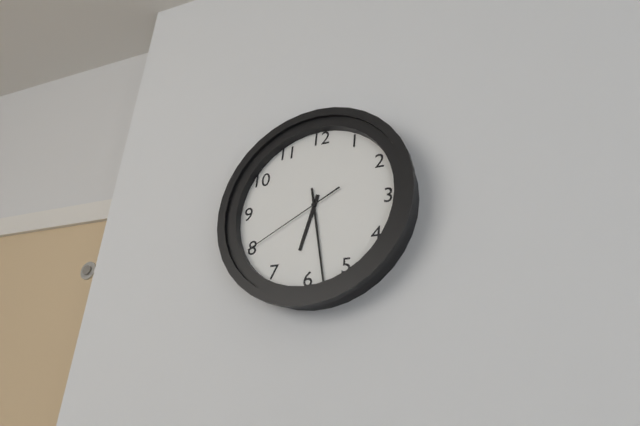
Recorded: 6h28m40s
